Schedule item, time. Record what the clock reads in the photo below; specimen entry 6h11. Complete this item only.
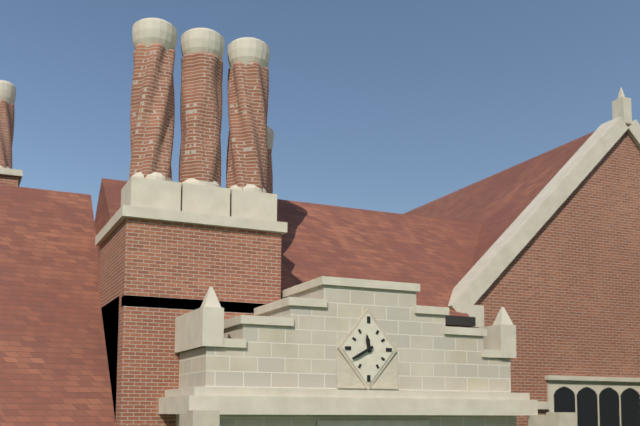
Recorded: 11h40
